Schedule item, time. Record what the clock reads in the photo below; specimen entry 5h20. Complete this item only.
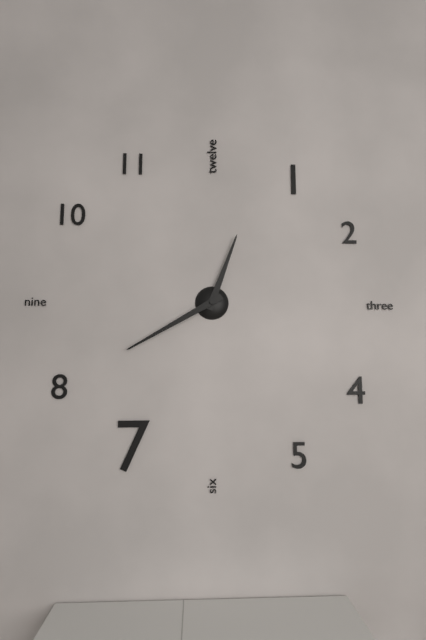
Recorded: 12h40
